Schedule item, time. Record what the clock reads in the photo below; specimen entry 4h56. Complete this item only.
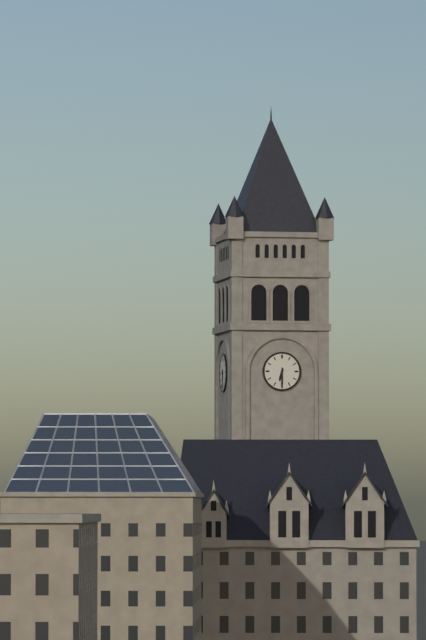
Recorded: 6h30
